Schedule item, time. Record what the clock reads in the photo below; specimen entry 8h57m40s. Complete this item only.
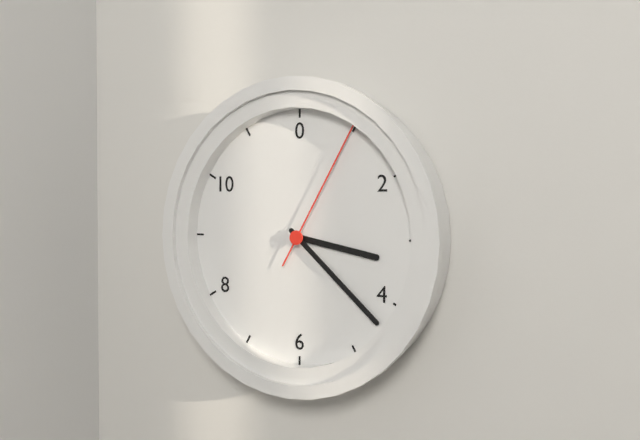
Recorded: 3h22m05s
